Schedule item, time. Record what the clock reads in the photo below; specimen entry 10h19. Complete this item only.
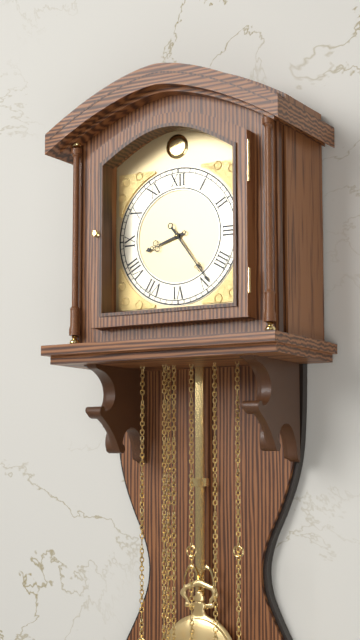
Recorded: 8h24
